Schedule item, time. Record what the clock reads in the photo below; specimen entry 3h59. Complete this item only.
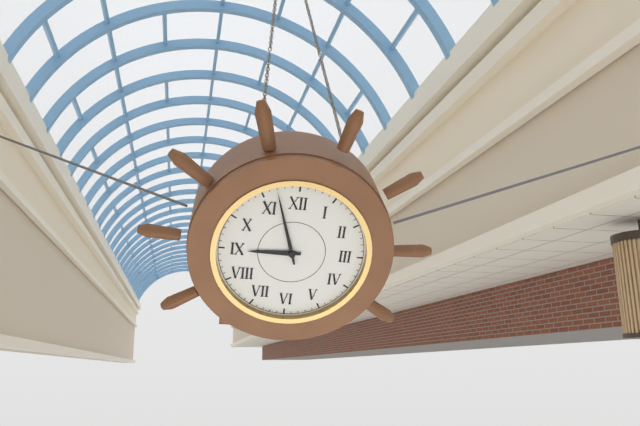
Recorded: 8h57
